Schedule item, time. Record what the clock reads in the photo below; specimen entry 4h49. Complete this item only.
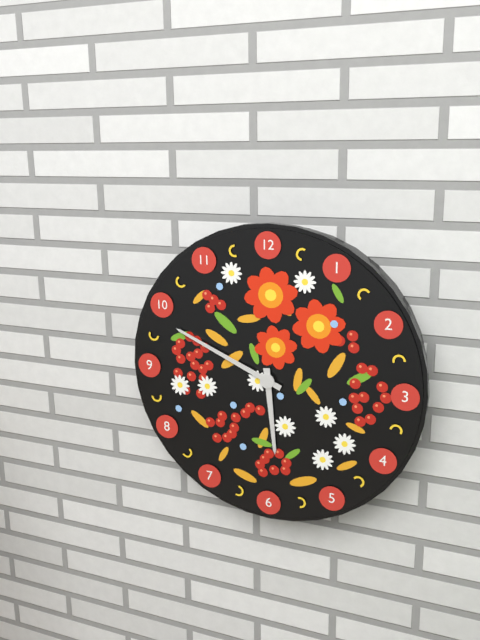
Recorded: 5h49
